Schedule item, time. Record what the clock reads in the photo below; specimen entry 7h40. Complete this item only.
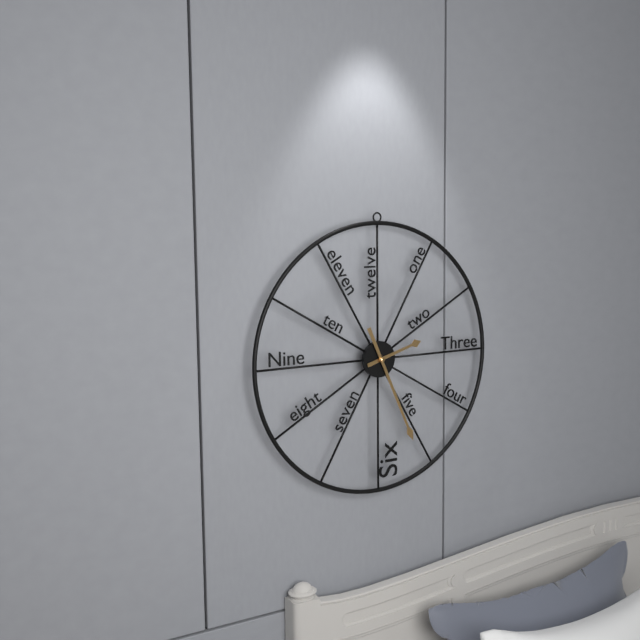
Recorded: 2h26
